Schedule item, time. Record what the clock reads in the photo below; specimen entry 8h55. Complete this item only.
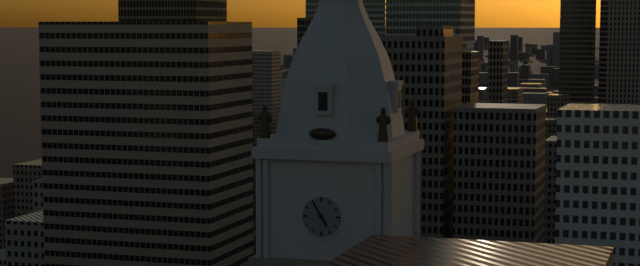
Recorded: 4h55
